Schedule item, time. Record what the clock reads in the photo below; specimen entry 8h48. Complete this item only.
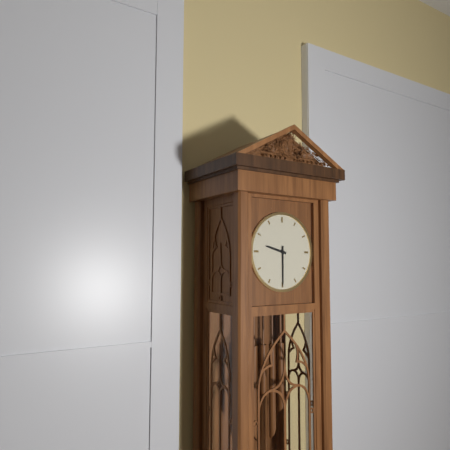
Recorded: 9h30
